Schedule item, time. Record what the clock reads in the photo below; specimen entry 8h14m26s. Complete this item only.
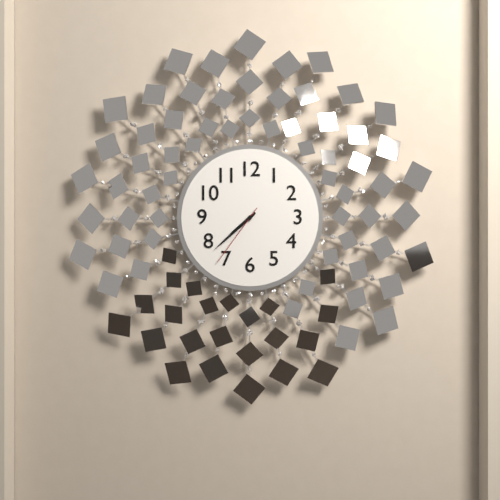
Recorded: 7h38m36s
